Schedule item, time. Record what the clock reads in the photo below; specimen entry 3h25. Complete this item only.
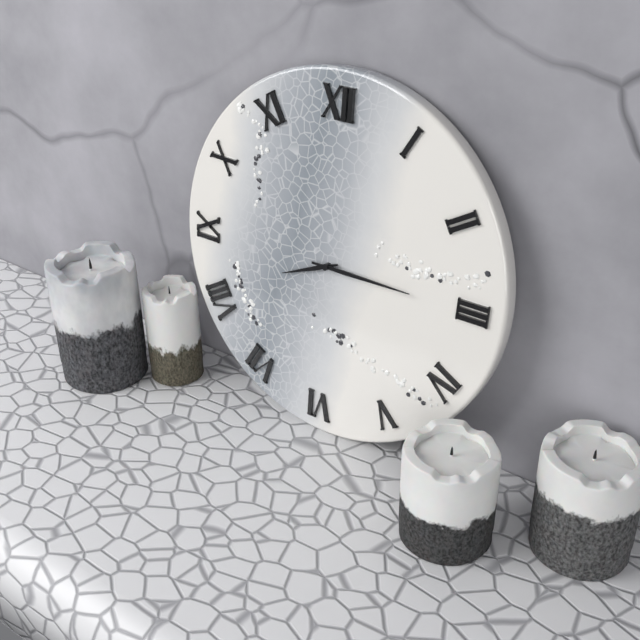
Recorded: 8h15
